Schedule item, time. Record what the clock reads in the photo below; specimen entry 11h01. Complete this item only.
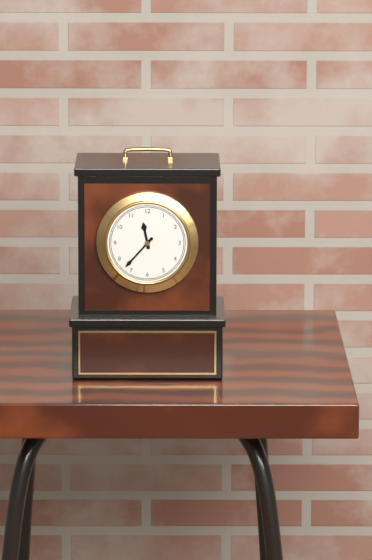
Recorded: 11h37
